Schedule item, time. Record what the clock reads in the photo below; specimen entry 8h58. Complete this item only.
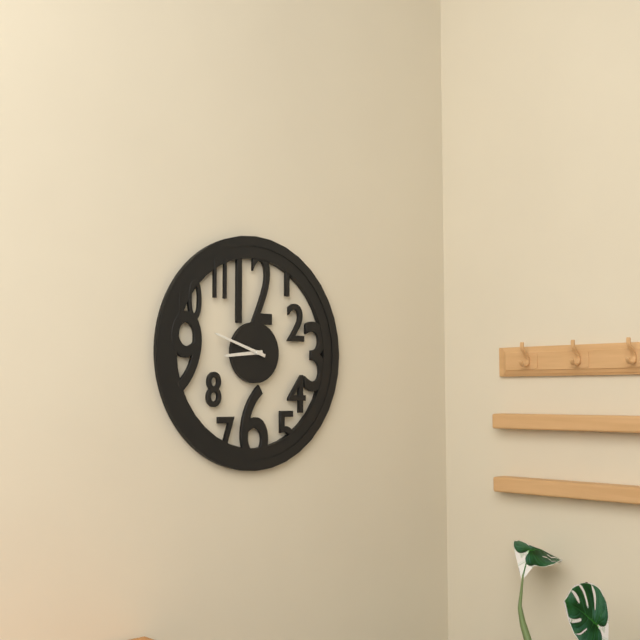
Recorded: 8h48
